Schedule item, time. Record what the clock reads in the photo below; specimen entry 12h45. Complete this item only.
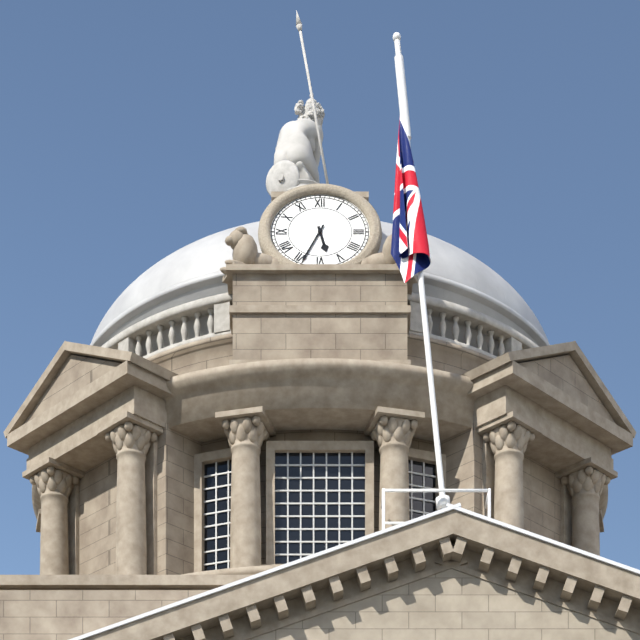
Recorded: 5h34
